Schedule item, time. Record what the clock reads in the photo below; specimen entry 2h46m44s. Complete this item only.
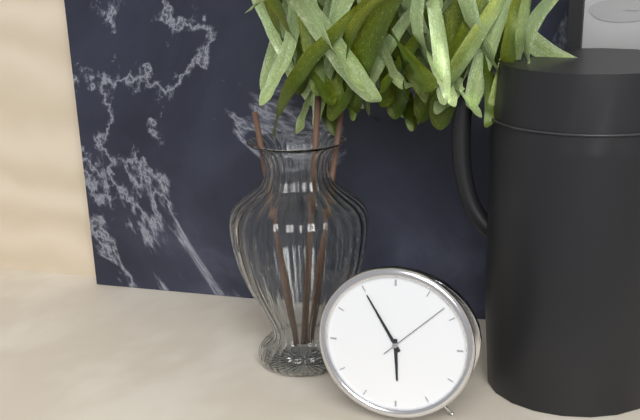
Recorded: 5h55m08s
